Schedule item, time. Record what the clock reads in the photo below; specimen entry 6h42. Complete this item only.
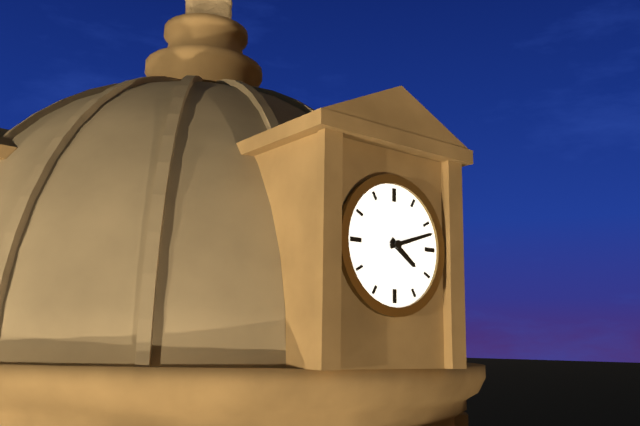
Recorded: 4h12
